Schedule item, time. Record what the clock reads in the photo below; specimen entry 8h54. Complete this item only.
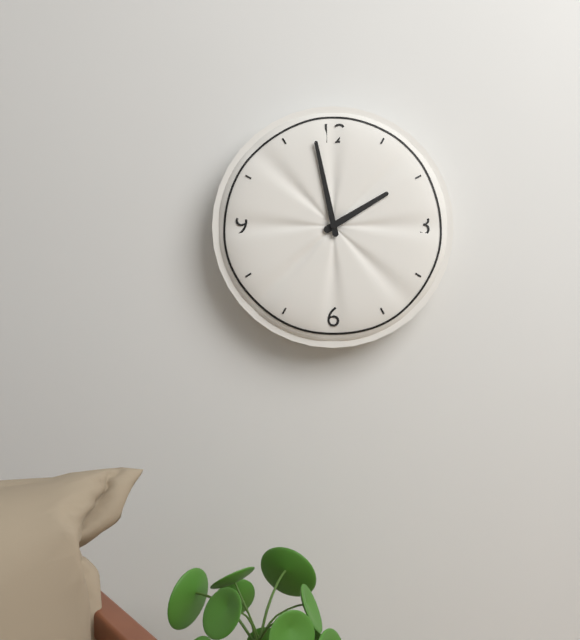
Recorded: 1h58
